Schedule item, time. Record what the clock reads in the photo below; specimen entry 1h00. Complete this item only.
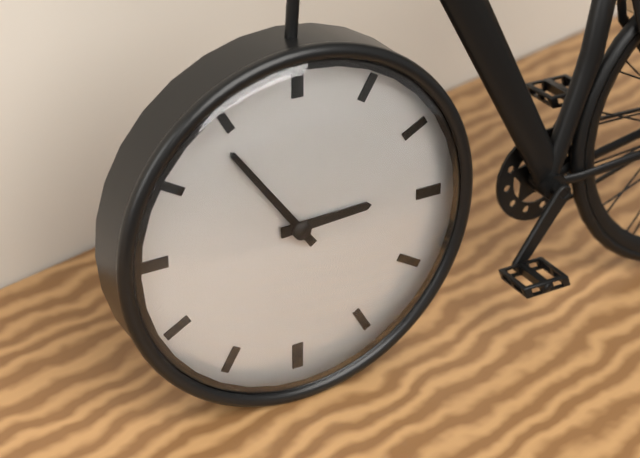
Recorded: 2h54
